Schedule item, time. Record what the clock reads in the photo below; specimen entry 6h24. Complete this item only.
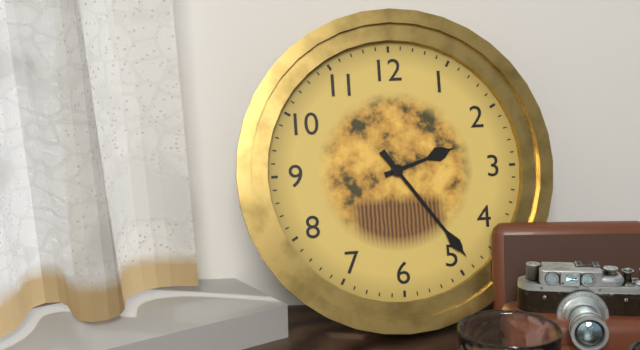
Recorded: 2h24
